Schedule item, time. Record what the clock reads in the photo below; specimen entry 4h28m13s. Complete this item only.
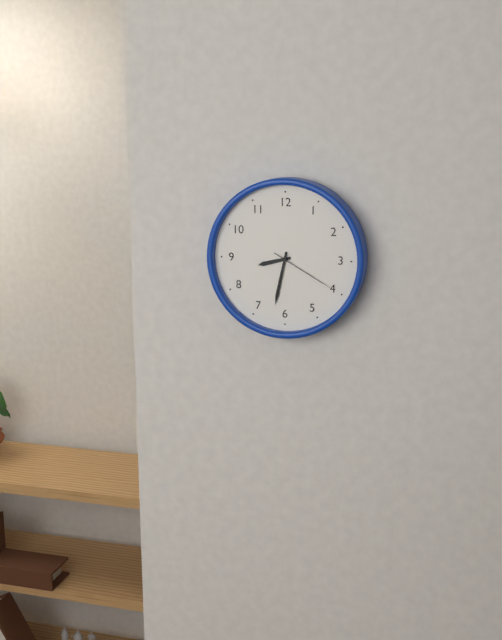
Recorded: 8h32m20s
